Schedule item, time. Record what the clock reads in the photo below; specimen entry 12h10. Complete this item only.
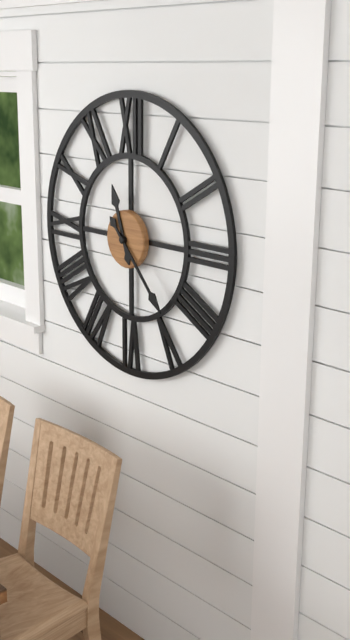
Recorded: 11h23
